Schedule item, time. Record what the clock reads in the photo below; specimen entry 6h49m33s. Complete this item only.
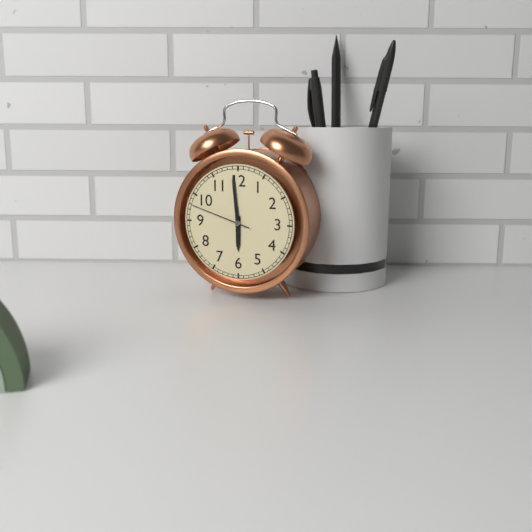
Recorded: 5h59m48s
